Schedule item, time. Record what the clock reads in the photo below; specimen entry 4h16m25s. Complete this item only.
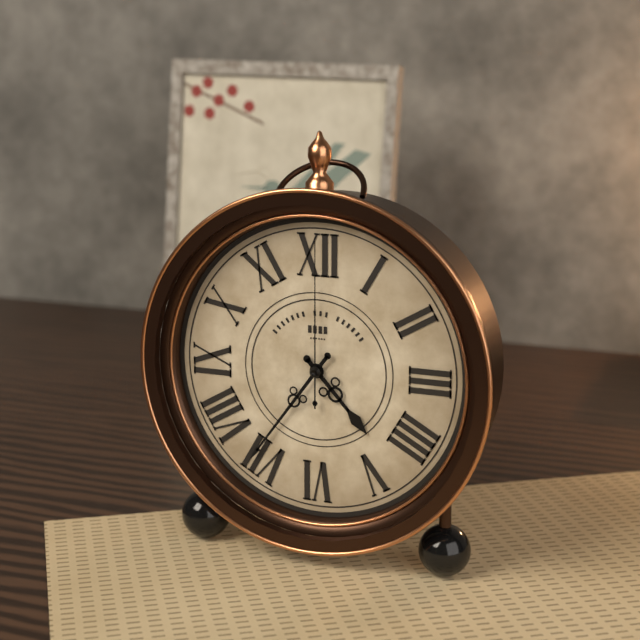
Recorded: 4h36m00s
